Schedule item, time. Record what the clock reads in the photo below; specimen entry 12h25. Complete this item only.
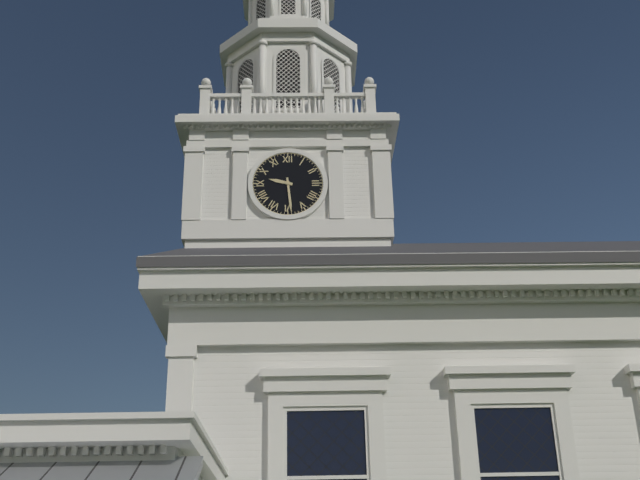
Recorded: 9h29
